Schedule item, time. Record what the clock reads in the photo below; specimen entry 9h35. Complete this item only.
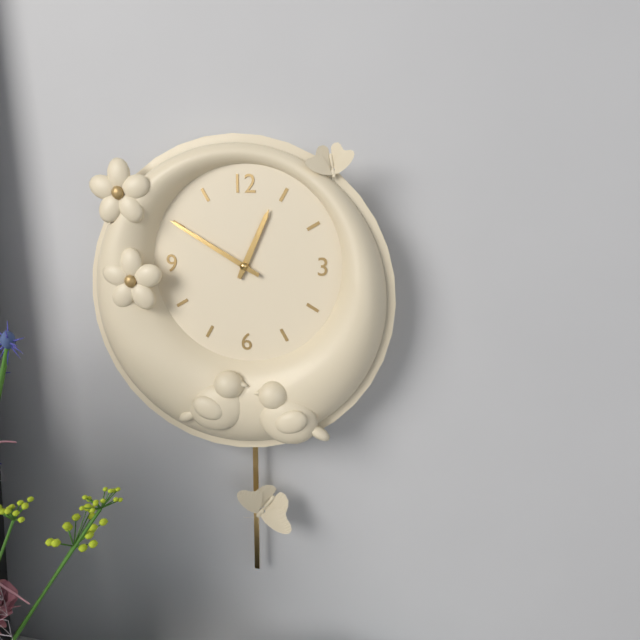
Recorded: 12h50
